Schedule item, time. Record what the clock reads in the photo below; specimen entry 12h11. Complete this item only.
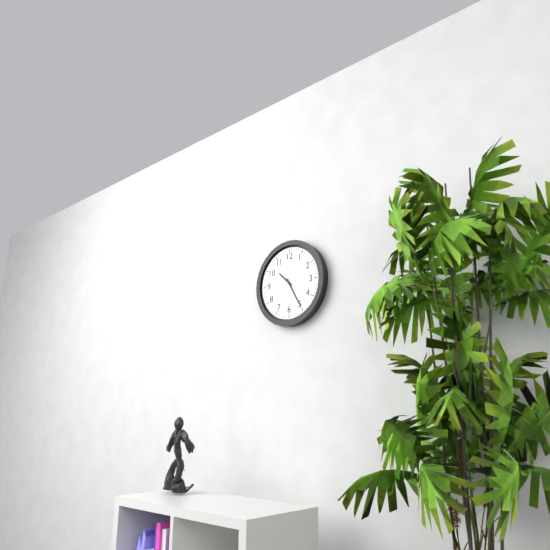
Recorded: 10h25
